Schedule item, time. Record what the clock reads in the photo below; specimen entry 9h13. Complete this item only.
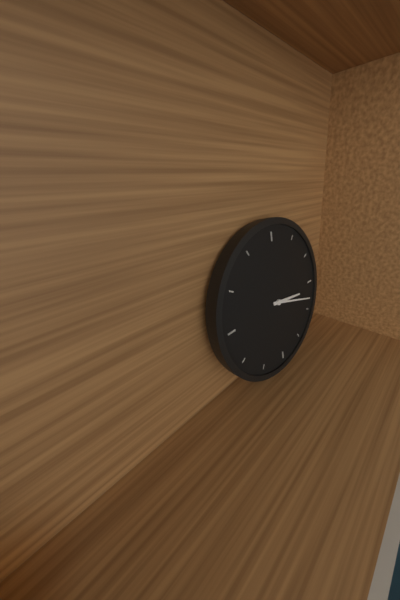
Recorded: 3h18
